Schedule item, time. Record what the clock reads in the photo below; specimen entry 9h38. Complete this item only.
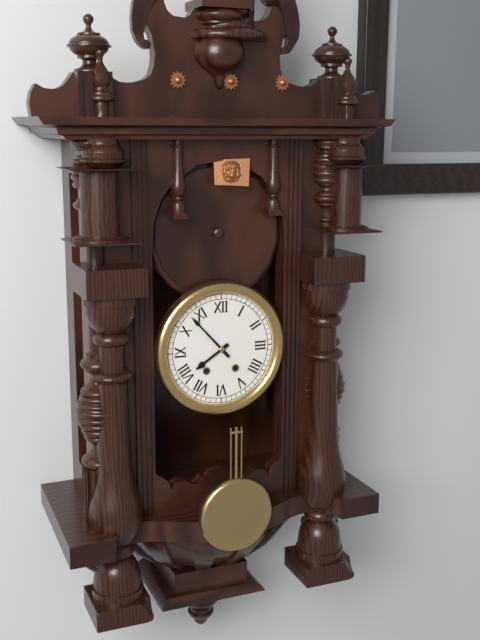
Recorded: 7h53
